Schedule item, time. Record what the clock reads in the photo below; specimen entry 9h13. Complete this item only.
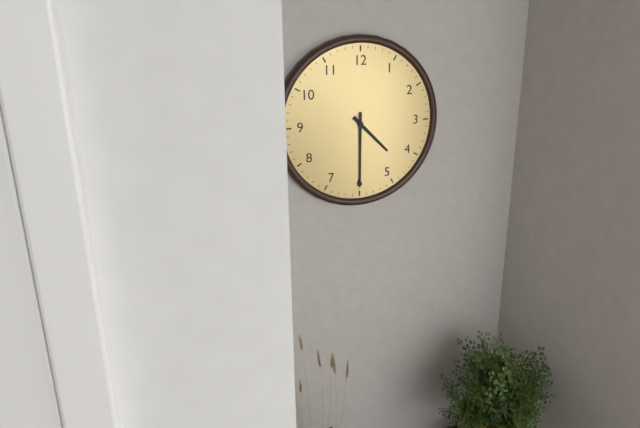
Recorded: 4h30
